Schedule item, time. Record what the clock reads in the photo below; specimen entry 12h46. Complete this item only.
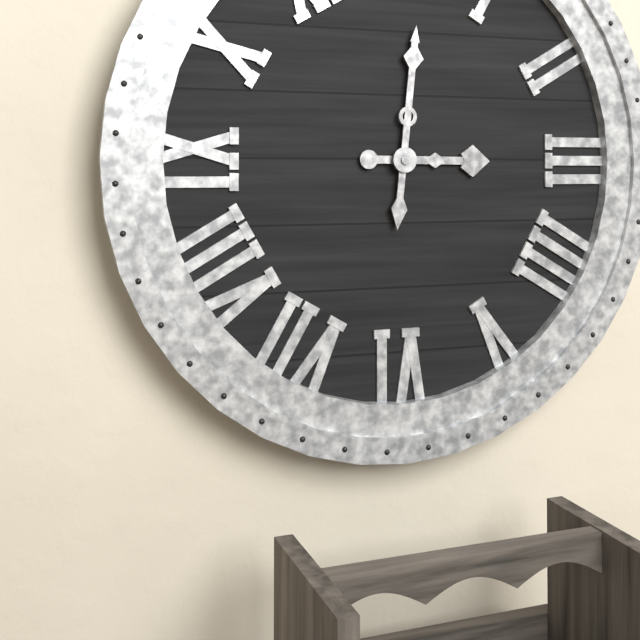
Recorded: 3h01
